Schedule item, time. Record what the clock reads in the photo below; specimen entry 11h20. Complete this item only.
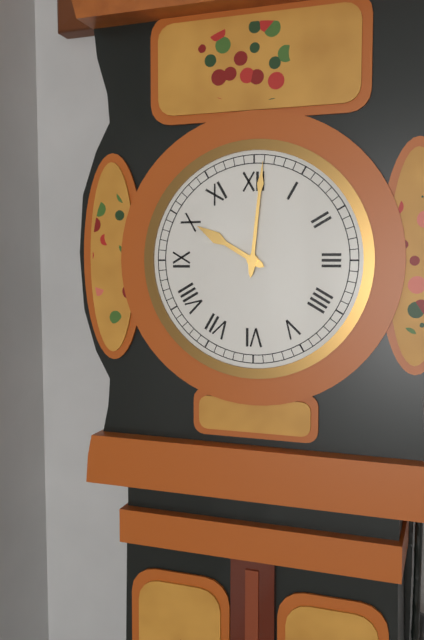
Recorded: 10h01
